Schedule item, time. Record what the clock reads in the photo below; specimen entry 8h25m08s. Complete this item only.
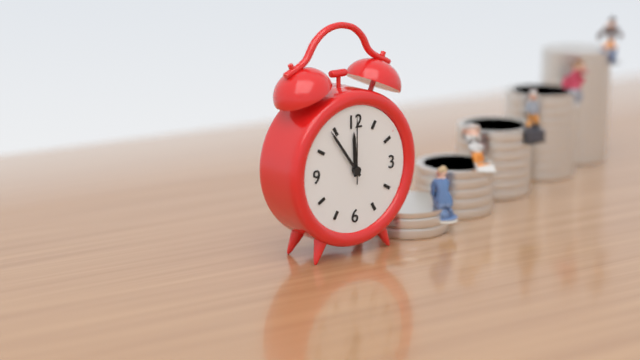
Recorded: 11h54m00s
